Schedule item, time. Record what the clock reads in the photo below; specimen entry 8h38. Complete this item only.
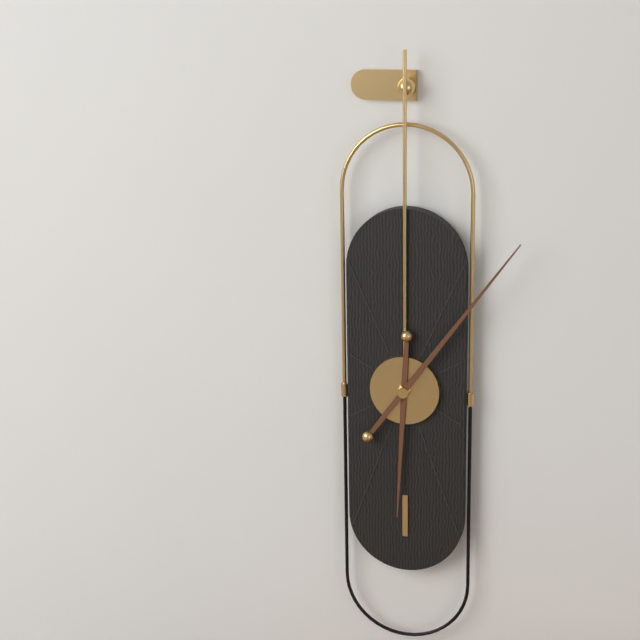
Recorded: 6h06
